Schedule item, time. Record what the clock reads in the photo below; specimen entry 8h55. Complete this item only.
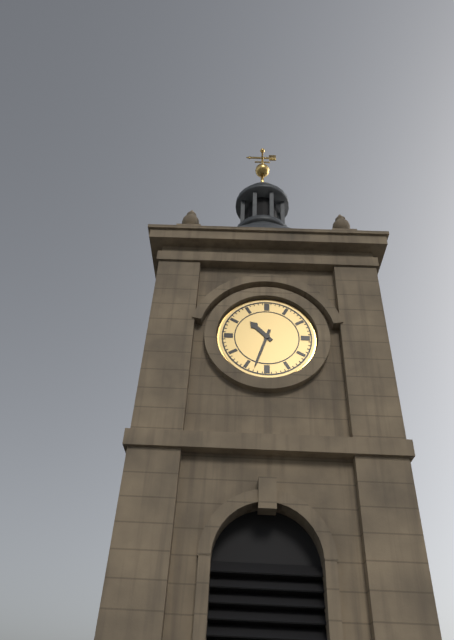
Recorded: 10h33
